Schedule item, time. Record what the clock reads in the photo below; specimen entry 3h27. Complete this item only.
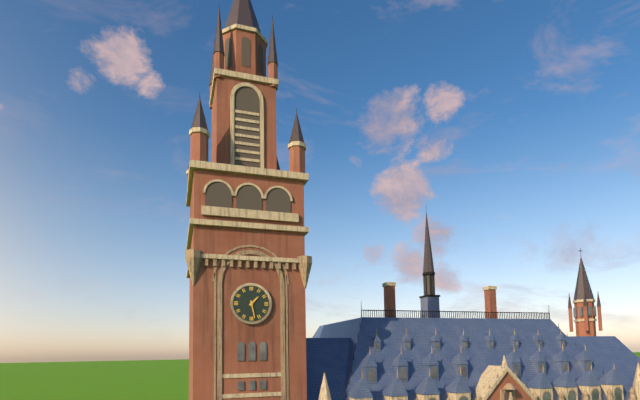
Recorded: 1h28
